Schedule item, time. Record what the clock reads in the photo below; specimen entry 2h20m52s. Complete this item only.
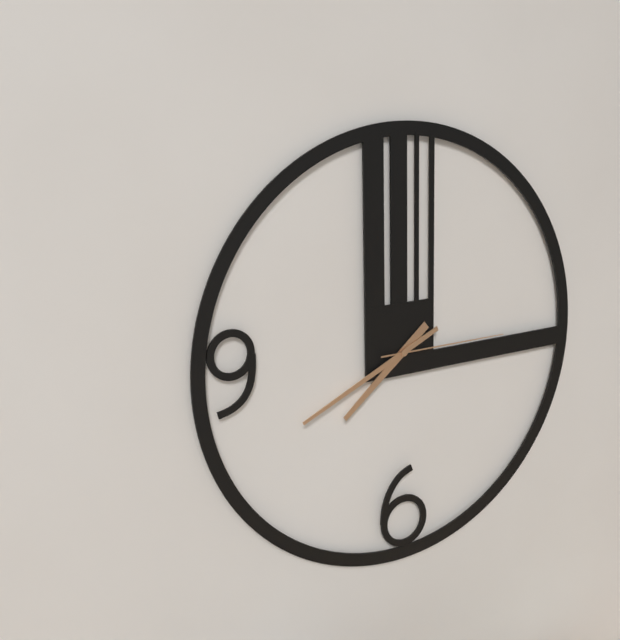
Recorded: 7h41m15s
